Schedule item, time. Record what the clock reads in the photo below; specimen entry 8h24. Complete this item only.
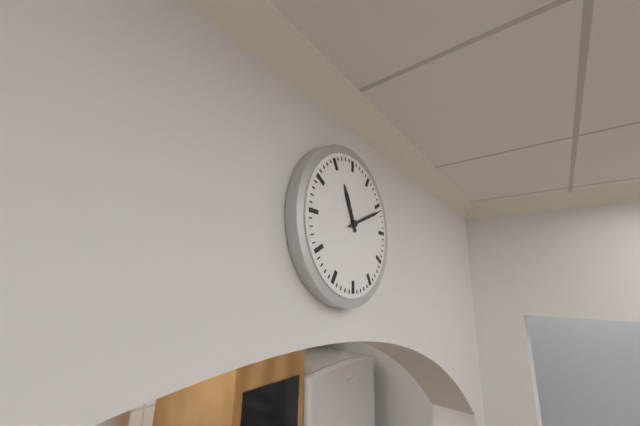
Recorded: 11h11
